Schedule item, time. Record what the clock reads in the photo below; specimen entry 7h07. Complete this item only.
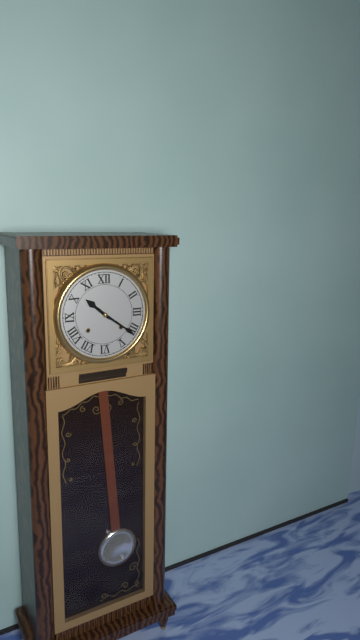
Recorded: 10h21
